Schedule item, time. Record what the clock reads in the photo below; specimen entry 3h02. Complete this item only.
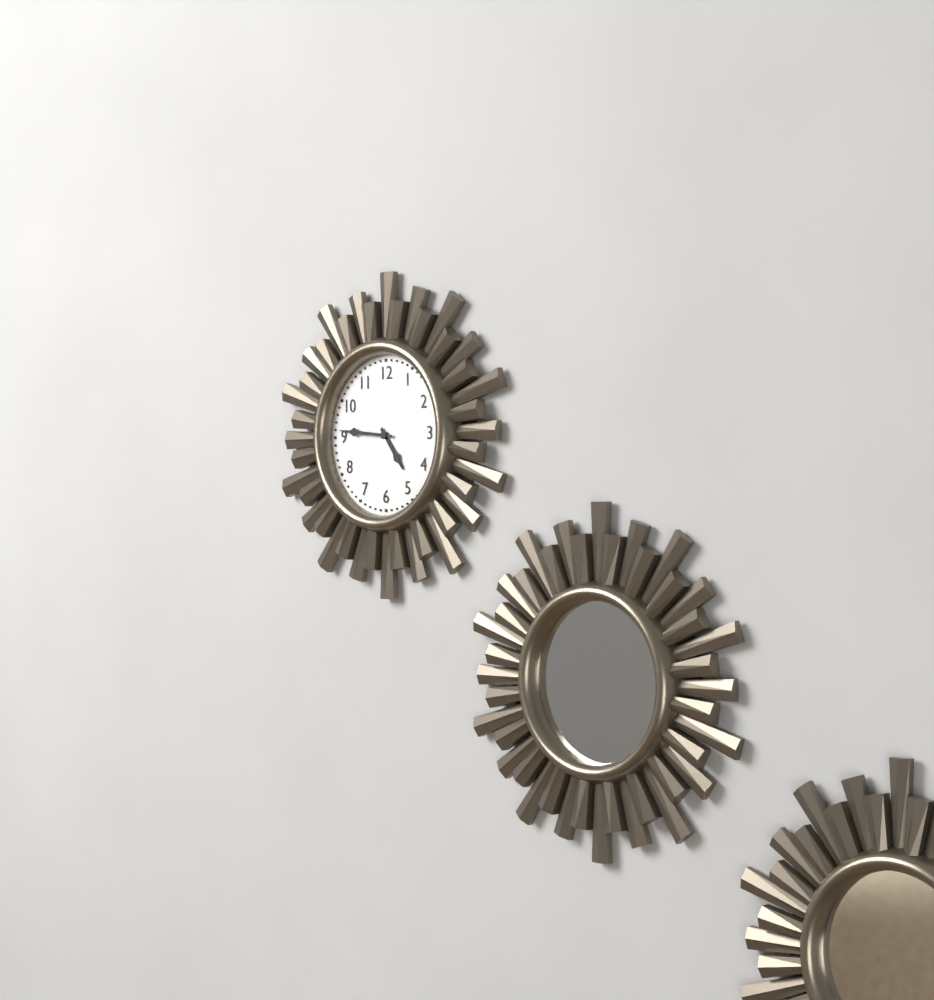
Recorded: 4h46
